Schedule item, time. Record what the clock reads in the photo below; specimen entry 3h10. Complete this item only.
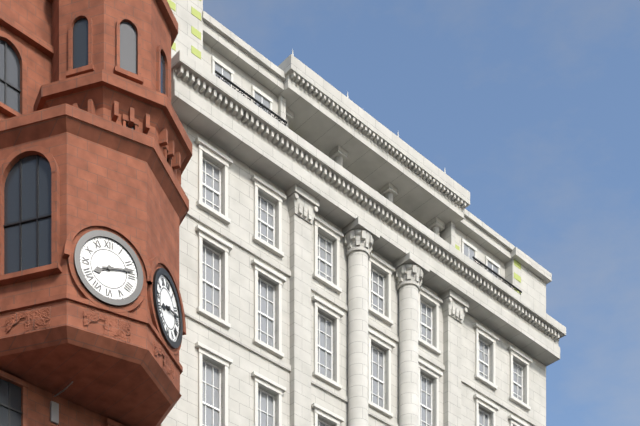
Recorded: 8h13
